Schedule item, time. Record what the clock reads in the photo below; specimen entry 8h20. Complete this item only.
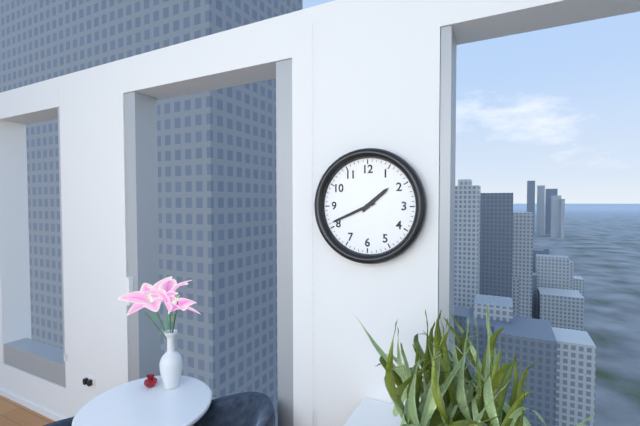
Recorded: 1h41
